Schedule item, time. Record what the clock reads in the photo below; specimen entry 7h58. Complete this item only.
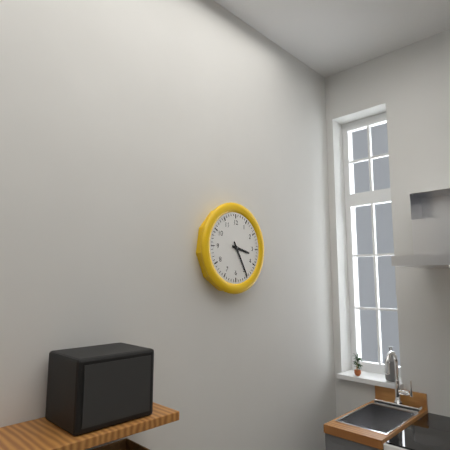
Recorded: 3h25
